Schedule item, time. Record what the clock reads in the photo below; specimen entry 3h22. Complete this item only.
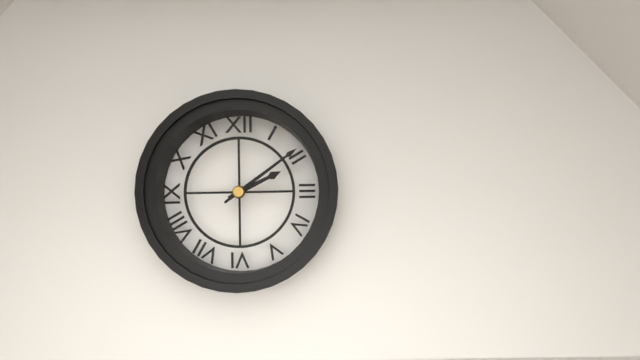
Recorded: 2h09
